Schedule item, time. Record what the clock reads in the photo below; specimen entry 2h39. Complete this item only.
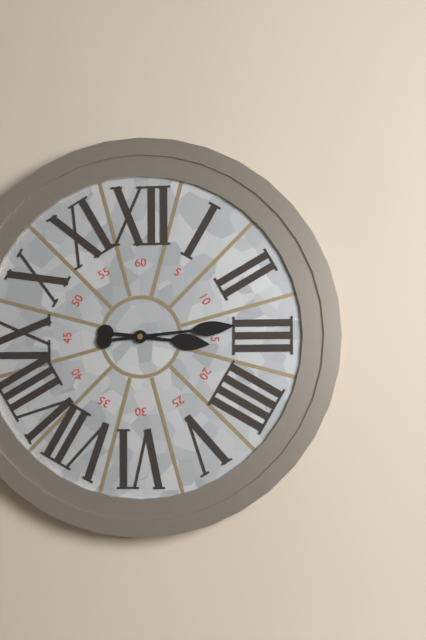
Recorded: 3h14
